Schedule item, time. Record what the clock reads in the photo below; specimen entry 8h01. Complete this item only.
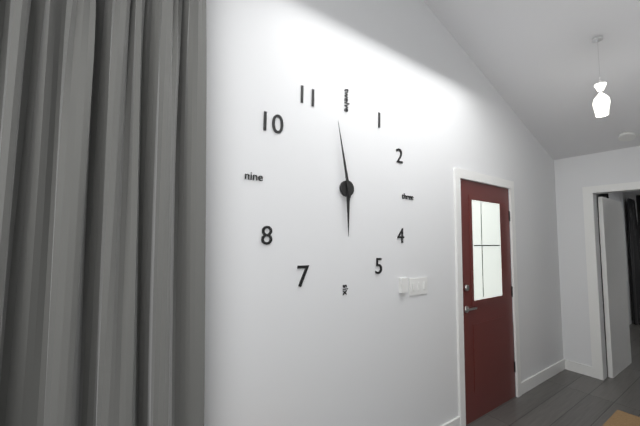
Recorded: 5h58
